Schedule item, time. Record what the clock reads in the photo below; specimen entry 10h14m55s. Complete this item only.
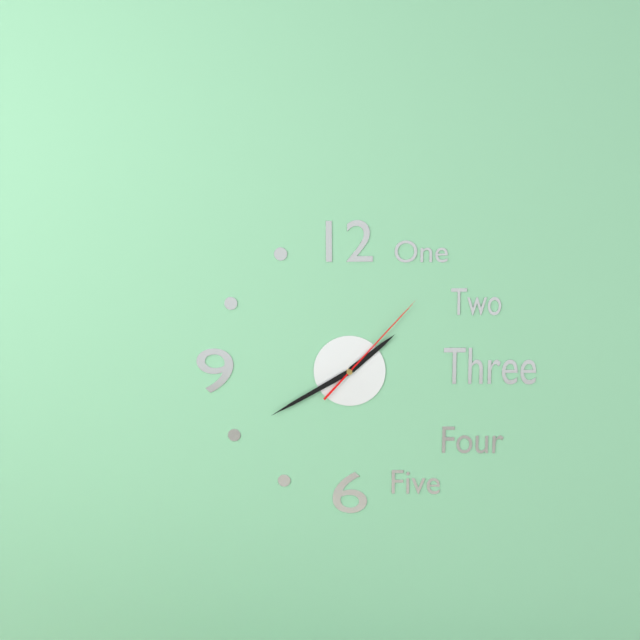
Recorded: 1h40m07s
